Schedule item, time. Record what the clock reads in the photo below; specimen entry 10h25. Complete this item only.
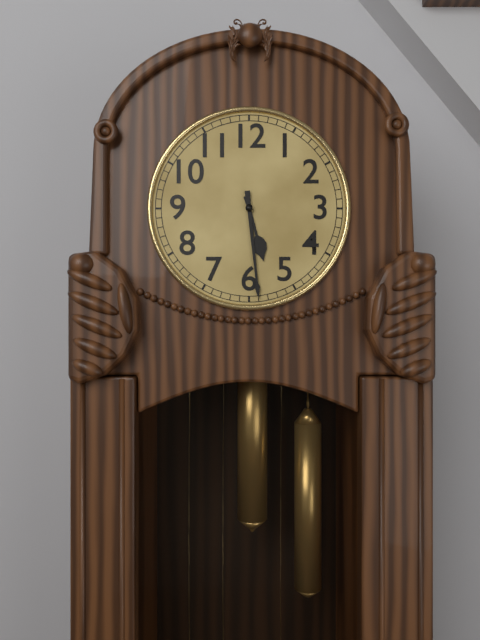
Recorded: 5h29
